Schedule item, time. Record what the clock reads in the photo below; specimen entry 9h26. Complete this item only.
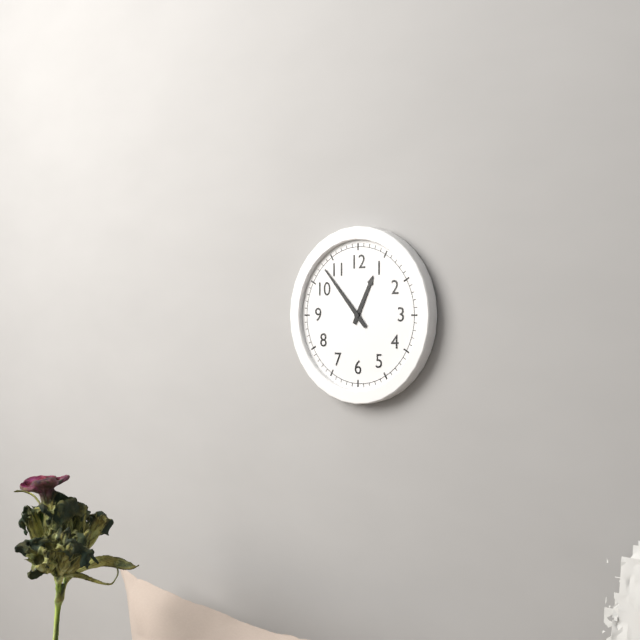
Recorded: 12h53
